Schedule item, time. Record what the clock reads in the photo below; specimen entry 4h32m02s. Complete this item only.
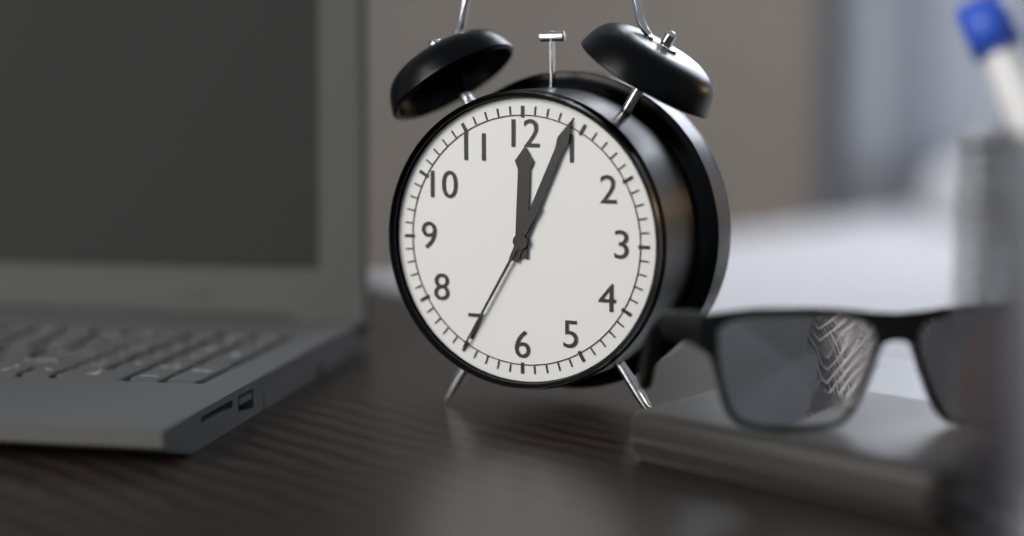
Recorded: 12h04m35s
